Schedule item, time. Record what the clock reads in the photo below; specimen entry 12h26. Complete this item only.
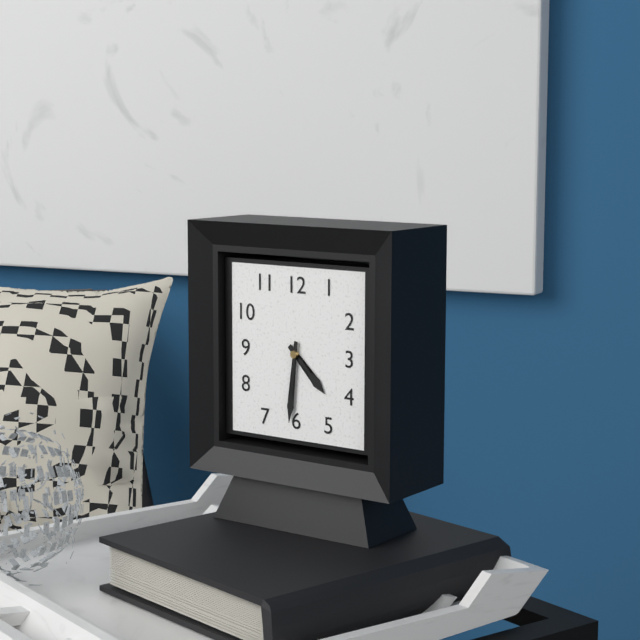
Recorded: 4h31
